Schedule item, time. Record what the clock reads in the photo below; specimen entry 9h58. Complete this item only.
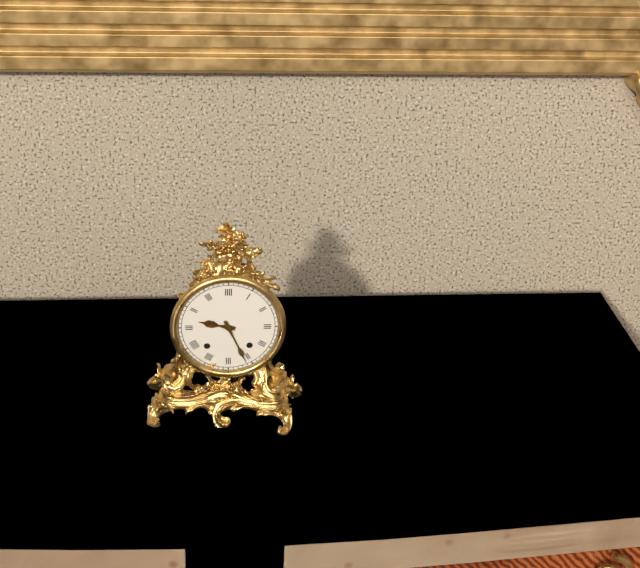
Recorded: 9h26
